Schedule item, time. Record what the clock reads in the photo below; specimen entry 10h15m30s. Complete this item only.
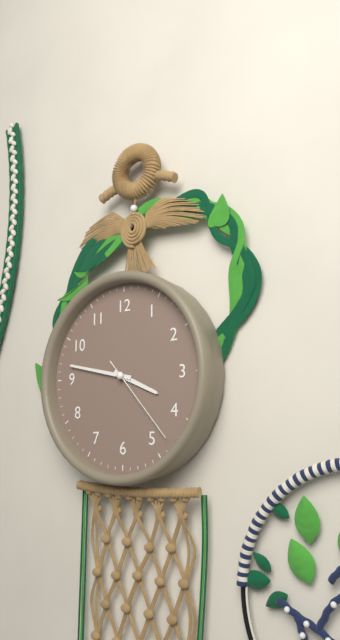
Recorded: 3h47m23s
